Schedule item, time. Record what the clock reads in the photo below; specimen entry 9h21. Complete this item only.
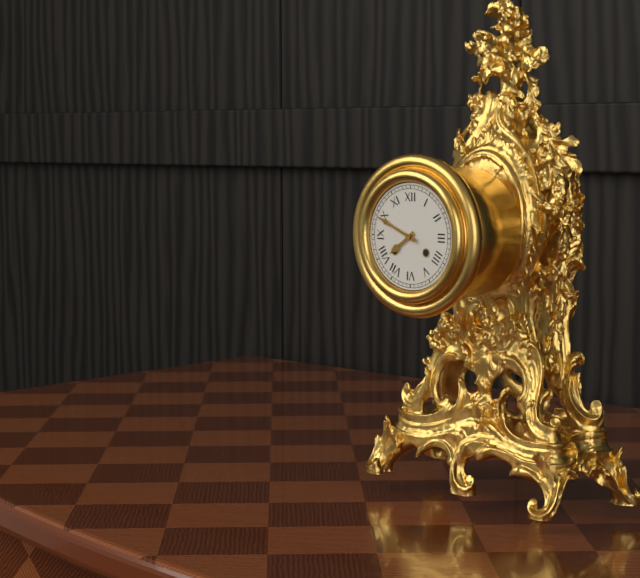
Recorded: 7h49
